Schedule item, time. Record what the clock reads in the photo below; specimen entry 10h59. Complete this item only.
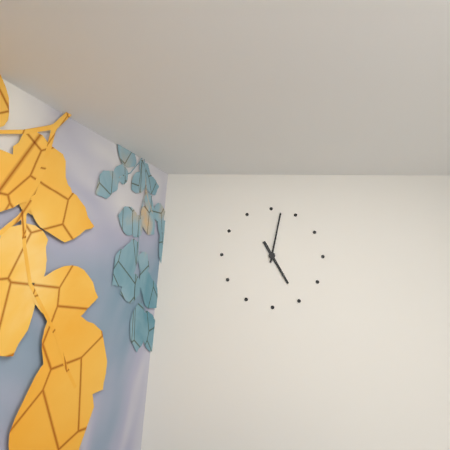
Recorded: 5h02
